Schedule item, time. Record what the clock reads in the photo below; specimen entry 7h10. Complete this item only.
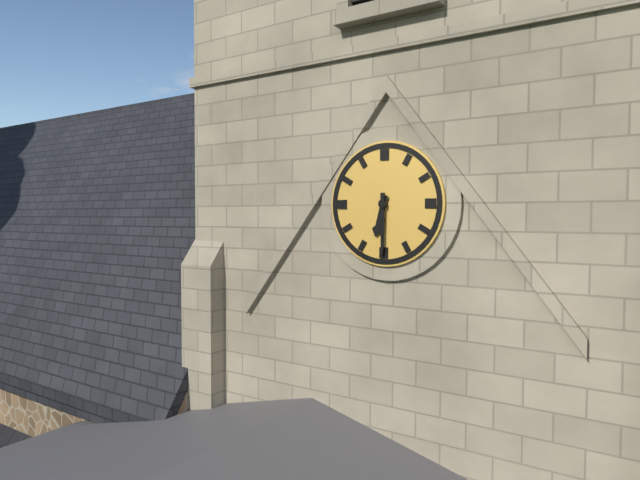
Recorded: 6h30
